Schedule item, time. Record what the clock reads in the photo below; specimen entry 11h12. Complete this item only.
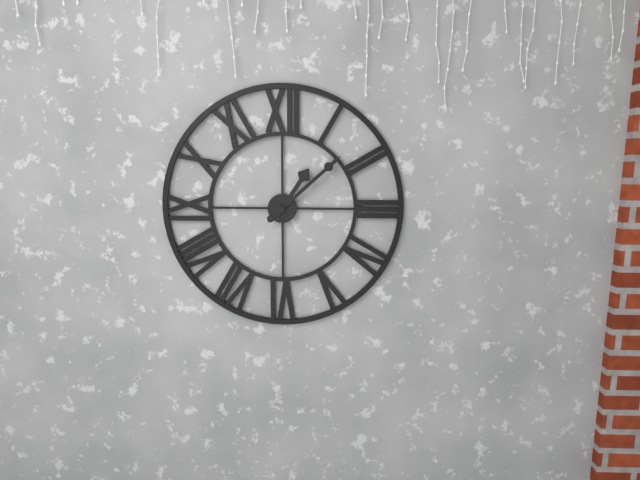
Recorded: 1h08
